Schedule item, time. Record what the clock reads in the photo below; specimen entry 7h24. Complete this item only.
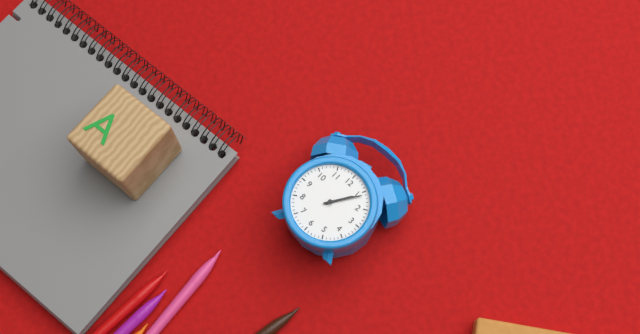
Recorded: 1h06
